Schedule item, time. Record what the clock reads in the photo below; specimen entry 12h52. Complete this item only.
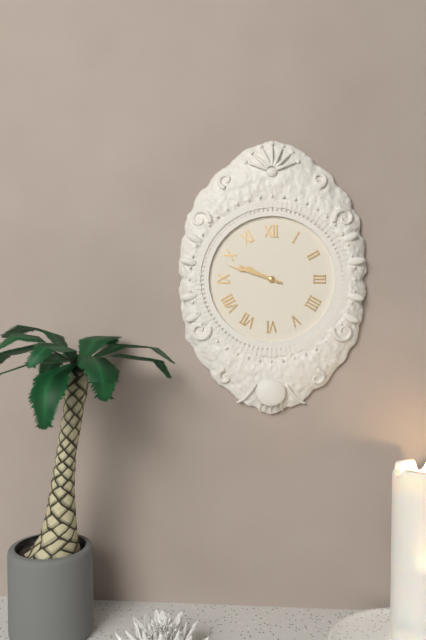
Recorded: 9h48
